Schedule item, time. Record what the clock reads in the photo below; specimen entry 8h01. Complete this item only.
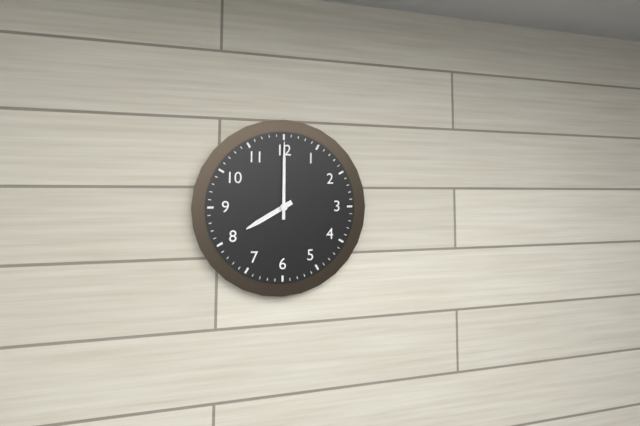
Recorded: 8h00
